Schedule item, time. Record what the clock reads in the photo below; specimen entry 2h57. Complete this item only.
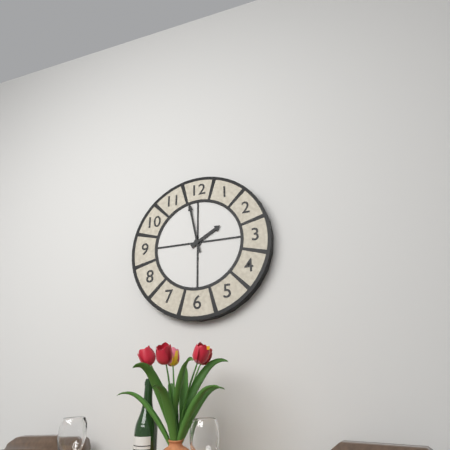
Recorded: 1h58
